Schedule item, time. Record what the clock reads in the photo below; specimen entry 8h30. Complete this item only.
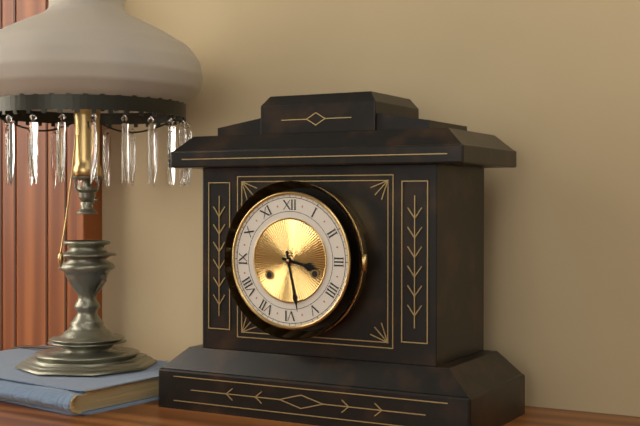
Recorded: 3h28
